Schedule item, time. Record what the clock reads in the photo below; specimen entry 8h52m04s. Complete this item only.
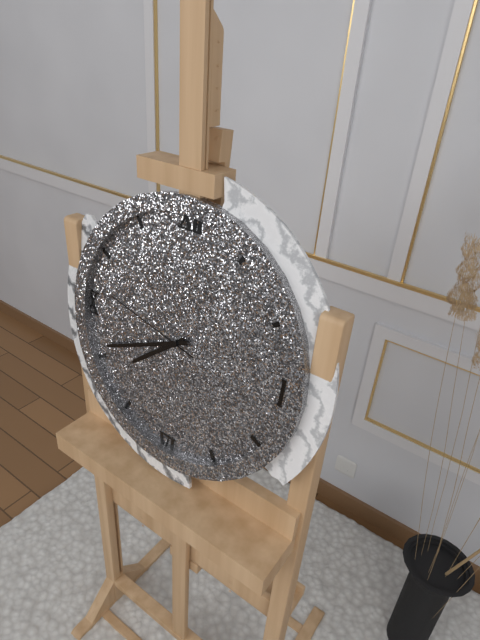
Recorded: 7h41m47s
